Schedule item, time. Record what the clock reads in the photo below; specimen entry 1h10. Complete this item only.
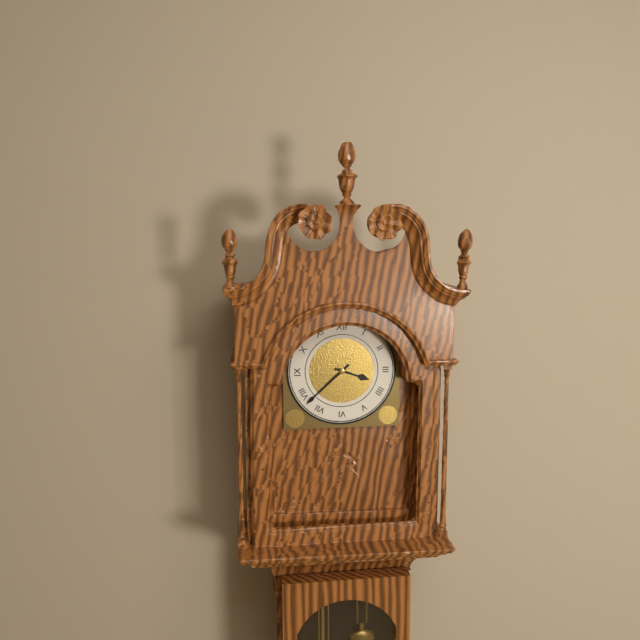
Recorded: 3h38
